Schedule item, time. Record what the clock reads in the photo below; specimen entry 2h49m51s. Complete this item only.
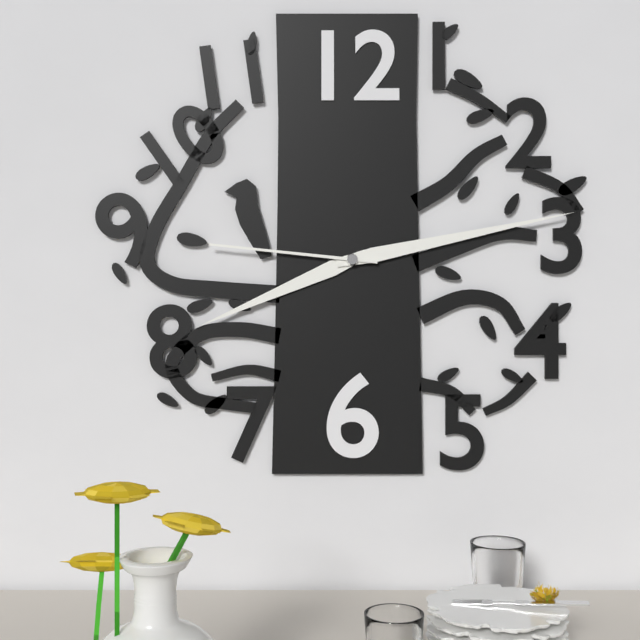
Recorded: 8h13m46s
